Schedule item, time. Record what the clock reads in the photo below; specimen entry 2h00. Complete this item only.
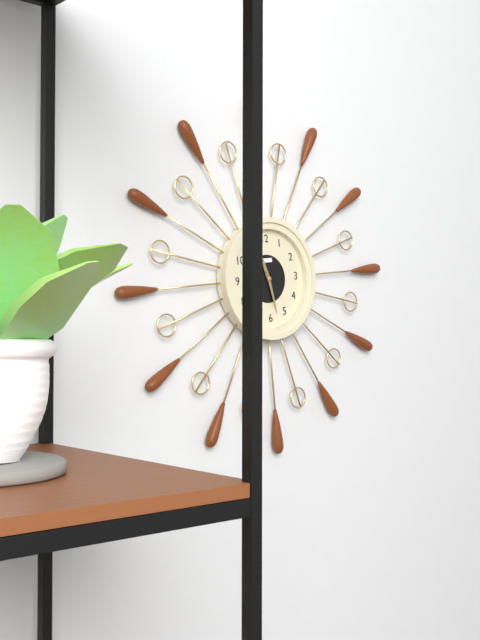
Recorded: 11h28
